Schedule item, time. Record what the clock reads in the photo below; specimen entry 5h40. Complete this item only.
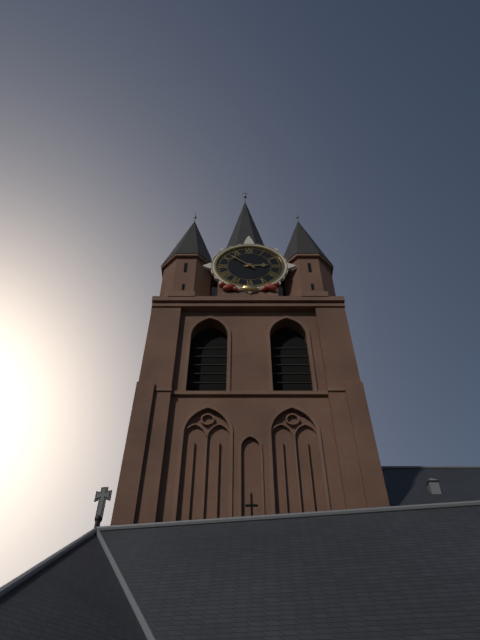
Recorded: 2h52
